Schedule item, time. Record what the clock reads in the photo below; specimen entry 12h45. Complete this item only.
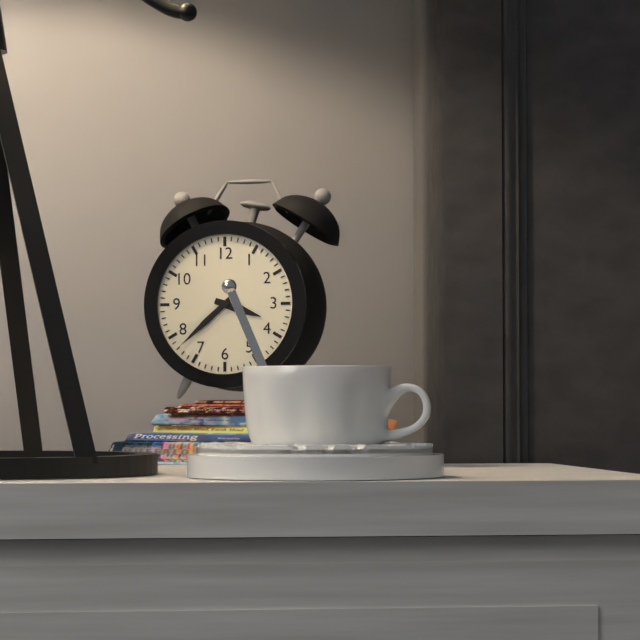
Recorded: 3h38
